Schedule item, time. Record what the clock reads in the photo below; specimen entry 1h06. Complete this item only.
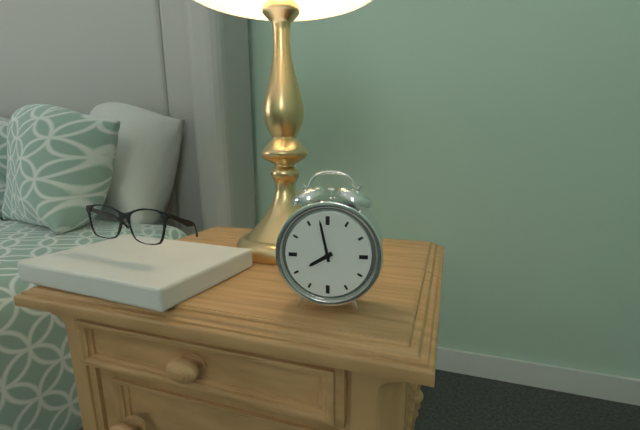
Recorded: 7h58
